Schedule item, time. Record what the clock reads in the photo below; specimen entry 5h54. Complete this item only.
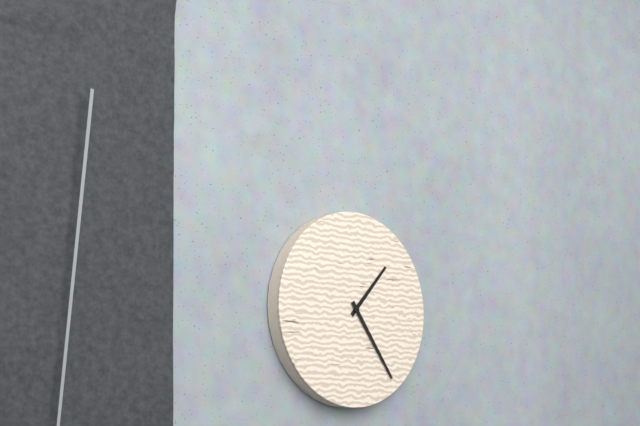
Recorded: 1h24
